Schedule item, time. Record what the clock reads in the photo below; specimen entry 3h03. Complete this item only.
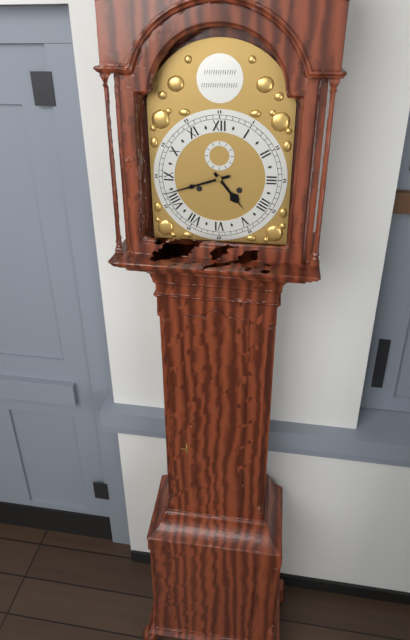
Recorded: 4h42
